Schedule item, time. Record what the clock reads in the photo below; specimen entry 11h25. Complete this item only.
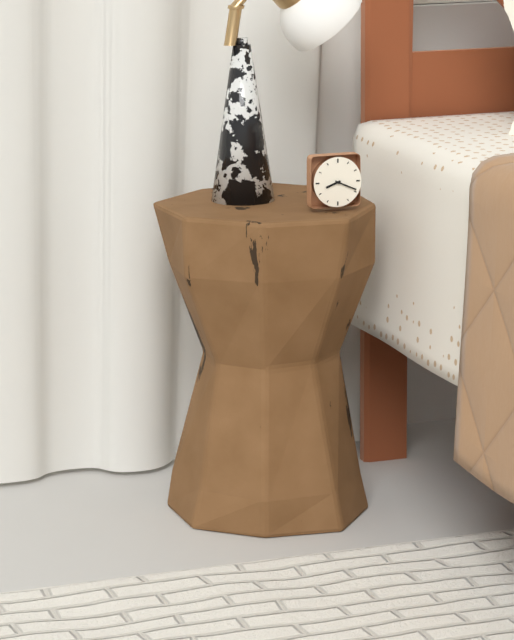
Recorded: 8h19
